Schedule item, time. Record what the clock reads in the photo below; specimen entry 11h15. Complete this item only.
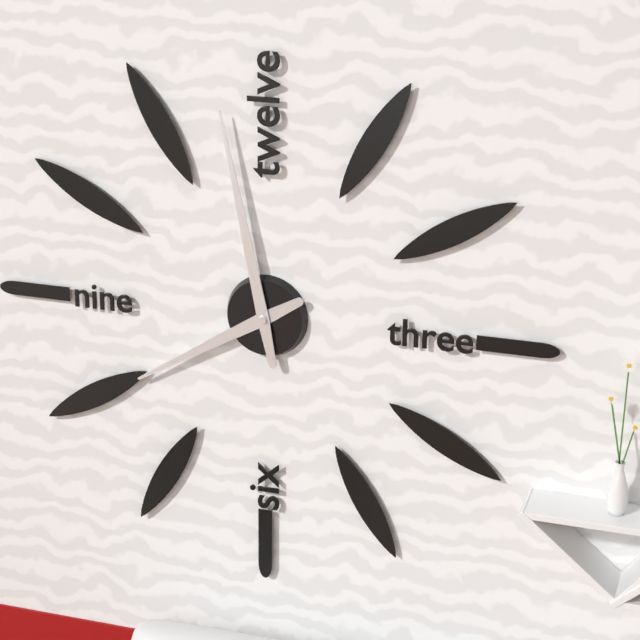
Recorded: 7h58
